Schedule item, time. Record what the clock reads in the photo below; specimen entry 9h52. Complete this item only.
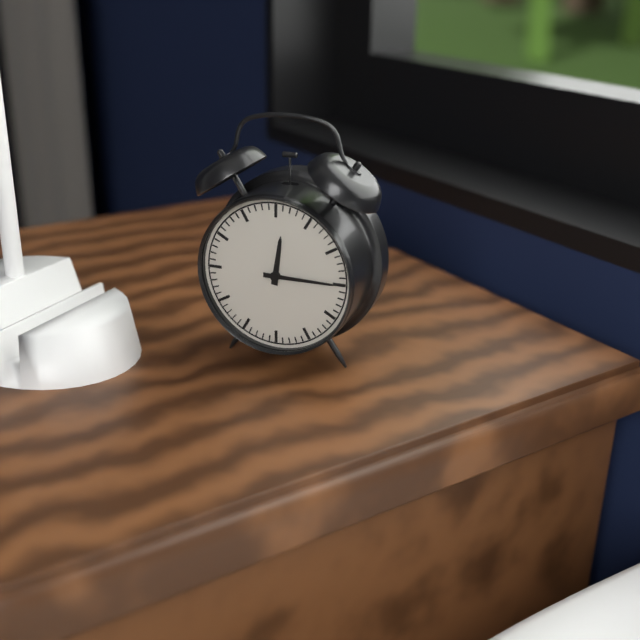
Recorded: 12h15
